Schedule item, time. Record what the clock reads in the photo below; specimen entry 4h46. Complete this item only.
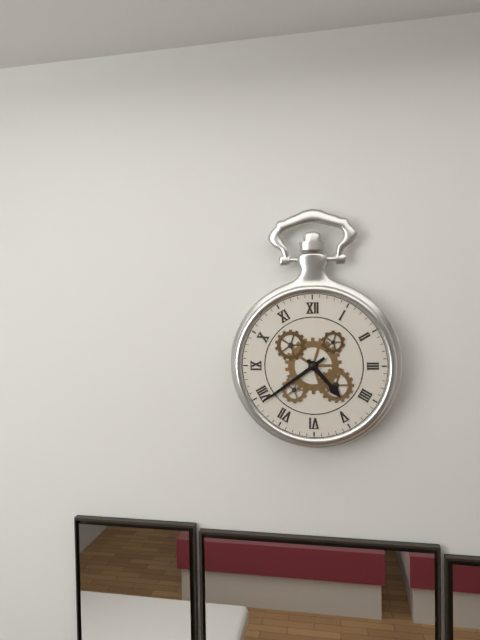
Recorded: 4h39
